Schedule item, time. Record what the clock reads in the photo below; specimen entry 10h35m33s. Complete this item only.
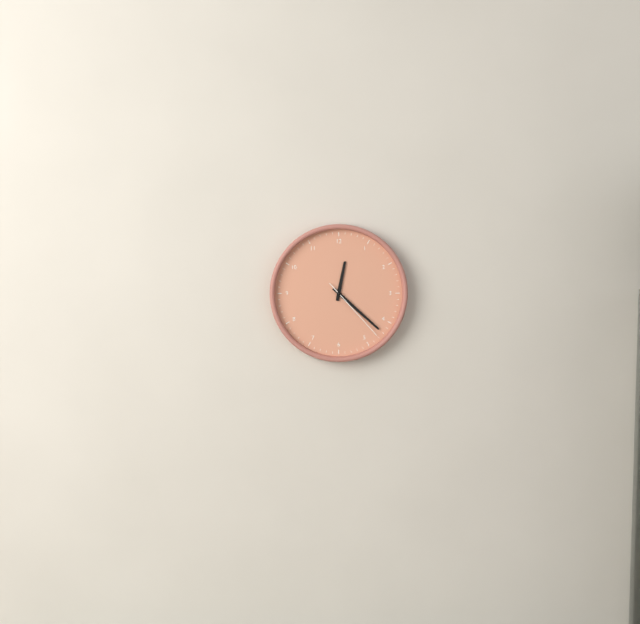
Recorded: 12h22m23s
